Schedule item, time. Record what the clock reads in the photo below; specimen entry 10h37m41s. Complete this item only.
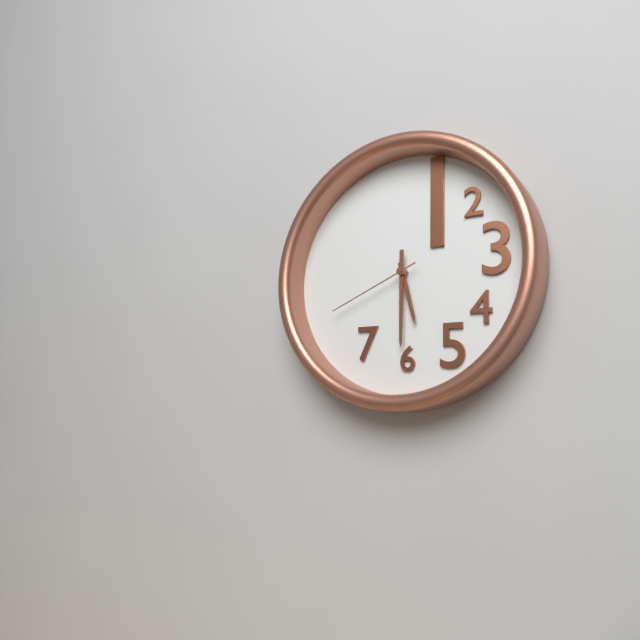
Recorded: 5h30m41s
